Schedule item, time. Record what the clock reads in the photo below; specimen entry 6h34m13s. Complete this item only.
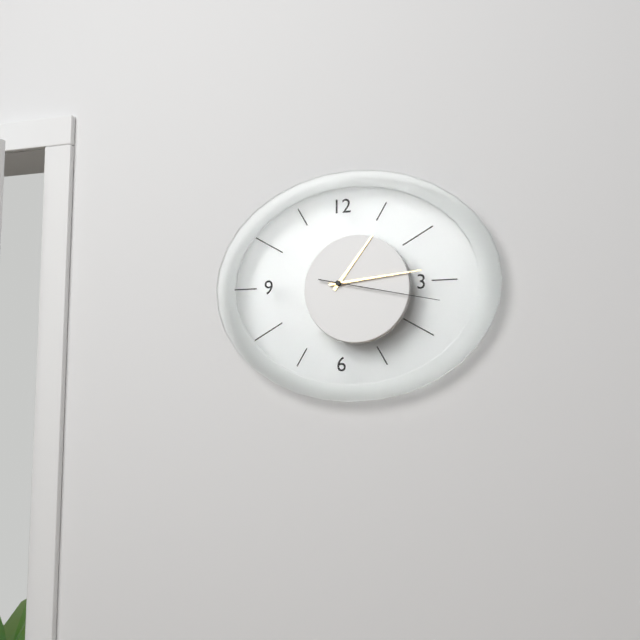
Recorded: 1h14m17s
